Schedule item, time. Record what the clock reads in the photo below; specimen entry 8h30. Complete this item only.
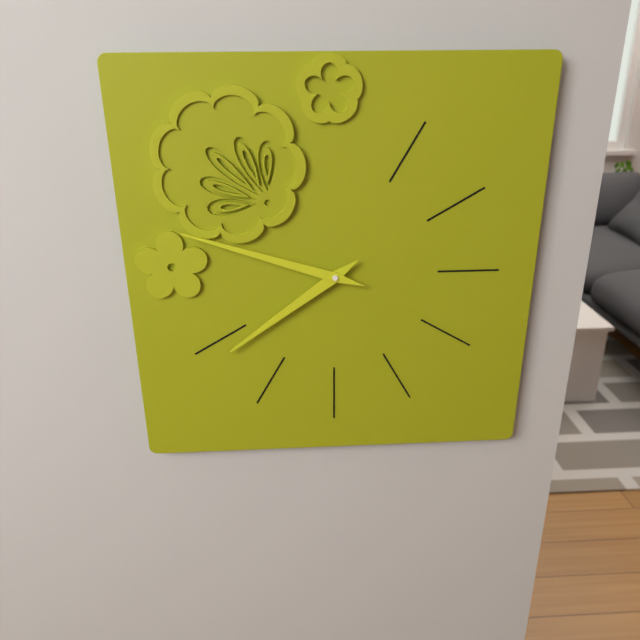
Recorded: 7h48
